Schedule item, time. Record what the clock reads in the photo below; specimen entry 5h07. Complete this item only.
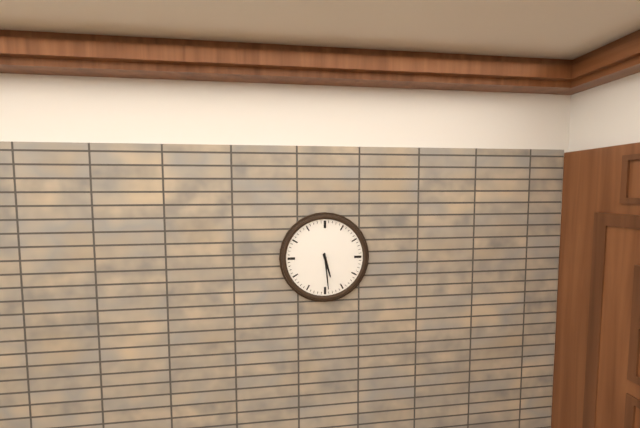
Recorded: 5h29
